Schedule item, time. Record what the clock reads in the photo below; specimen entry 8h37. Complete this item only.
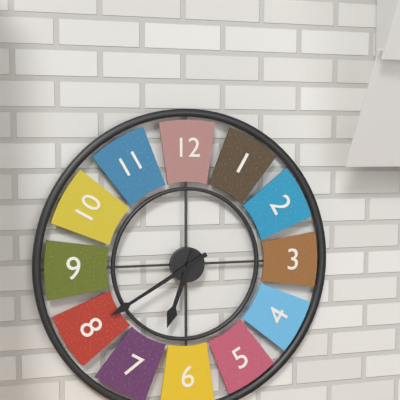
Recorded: 6h40
